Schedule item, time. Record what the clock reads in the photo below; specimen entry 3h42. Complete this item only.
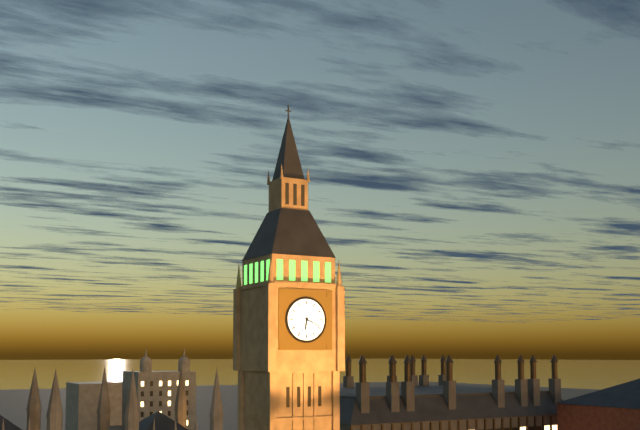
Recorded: 6h19
